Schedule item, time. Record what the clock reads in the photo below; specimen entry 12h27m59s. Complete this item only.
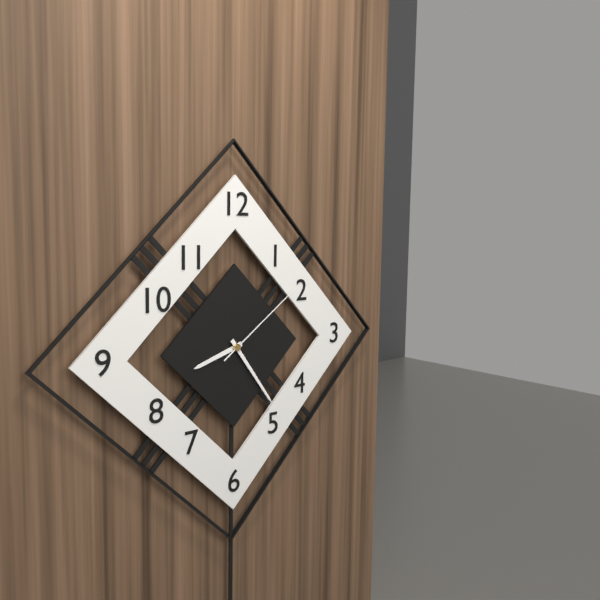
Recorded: 8h24m09s
